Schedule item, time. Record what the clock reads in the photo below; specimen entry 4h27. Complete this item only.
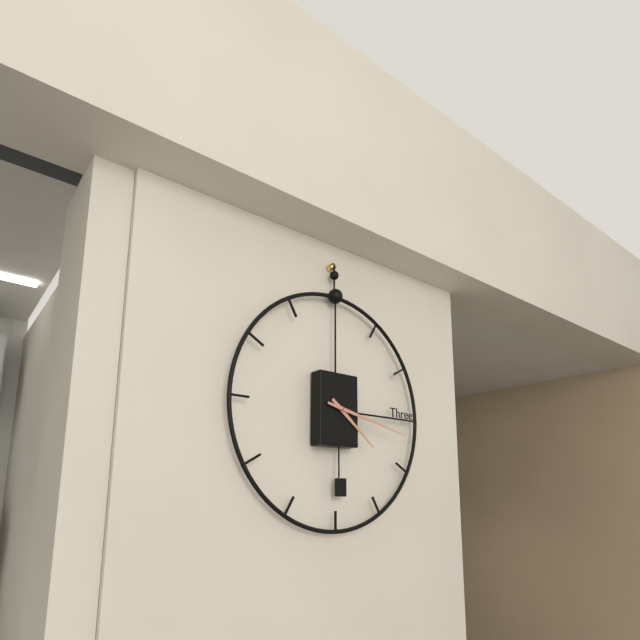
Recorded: 4h17
